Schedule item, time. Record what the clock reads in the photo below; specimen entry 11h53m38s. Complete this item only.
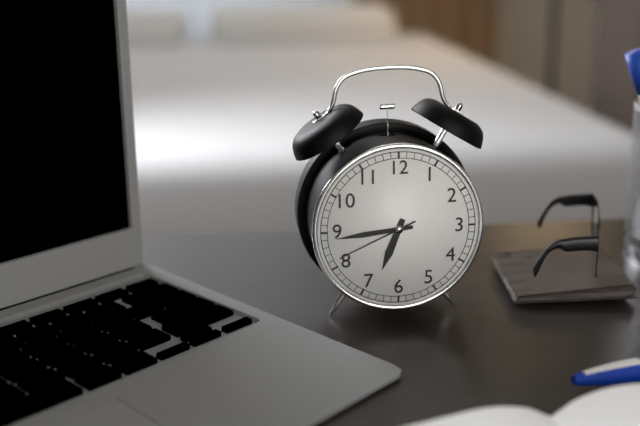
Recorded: 6h44m41s
